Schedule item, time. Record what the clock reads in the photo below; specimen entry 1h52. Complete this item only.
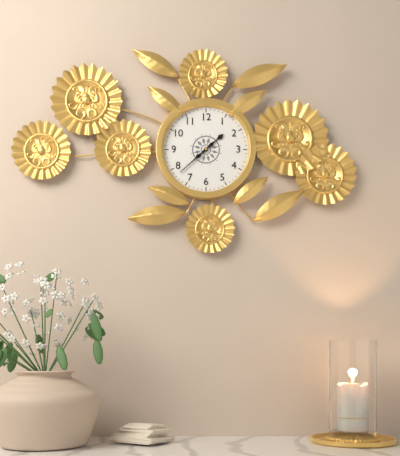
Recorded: 1h38
